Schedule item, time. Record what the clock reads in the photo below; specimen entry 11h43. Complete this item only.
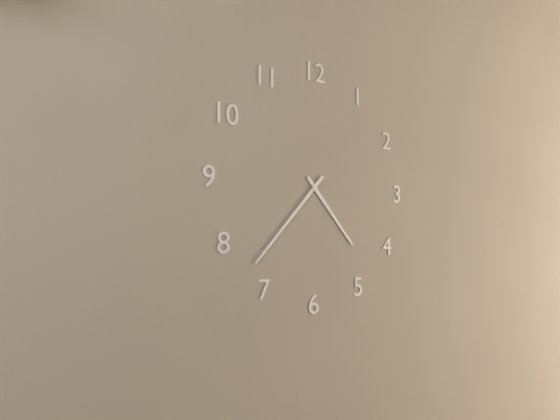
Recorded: 4h37
